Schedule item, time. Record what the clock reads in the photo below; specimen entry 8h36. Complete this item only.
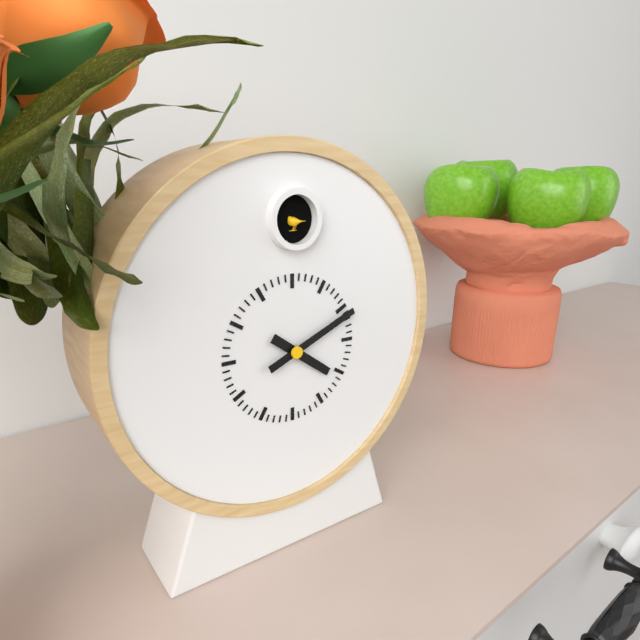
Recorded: 4h11
